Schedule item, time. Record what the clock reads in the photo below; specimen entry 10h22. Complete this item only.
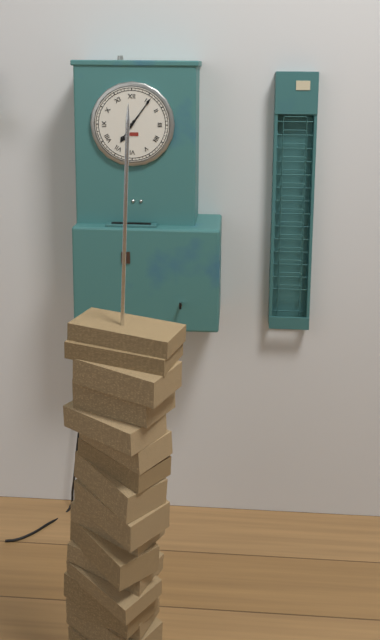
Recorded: 7h06
